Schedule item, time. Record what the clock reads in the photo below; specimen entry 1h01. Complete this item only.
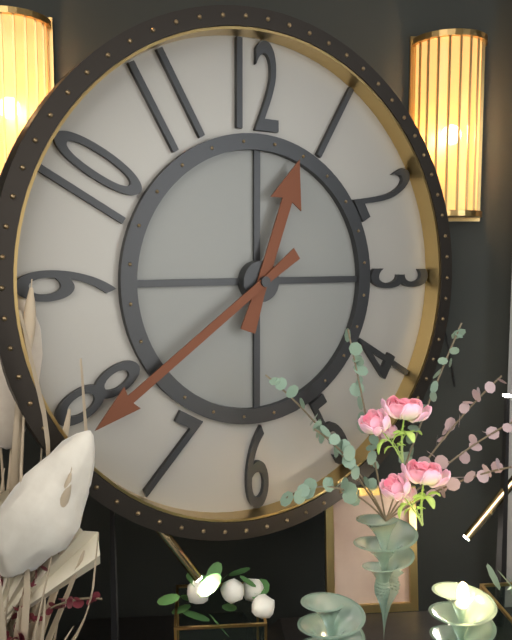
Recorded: 12h39
